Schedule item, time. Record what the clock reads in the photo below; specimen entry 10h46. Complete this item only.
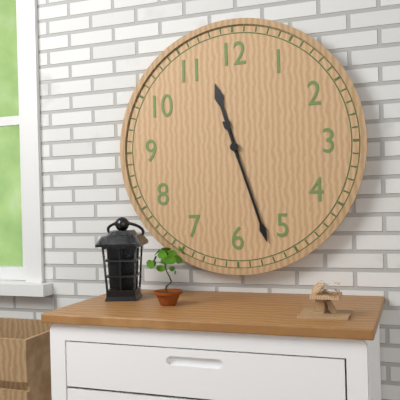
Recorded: 11h27
